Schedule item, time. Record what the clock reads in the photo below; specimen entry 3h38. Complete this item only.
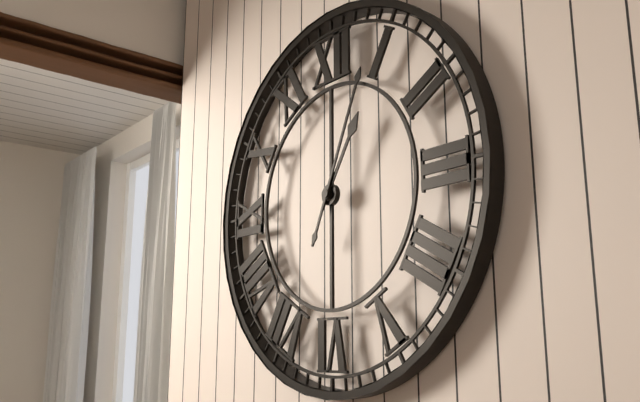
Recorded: 1h04
